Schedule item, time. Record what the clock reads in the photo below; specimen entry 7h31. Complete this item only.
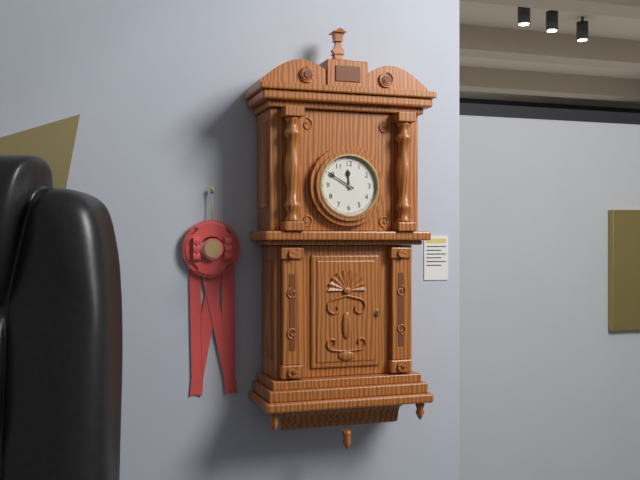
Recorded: 11h50
